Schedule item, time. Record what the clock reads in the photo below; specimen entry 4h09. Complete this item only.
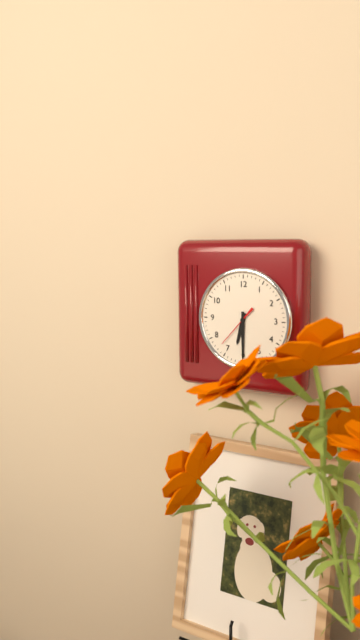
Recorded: 6h30
